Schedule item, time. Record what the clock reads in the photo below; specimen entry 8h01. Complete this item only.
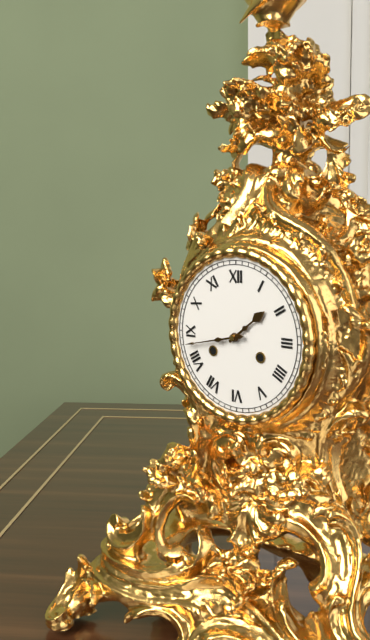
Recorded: 1h43
